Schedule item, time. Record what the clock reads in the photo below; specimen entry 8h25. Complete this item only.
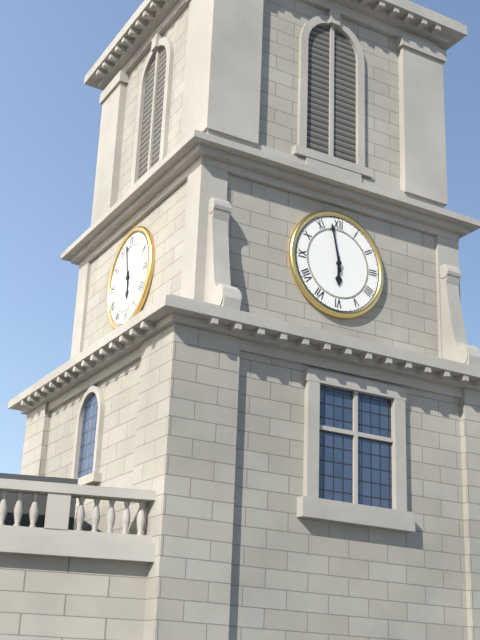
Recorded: 5h58
